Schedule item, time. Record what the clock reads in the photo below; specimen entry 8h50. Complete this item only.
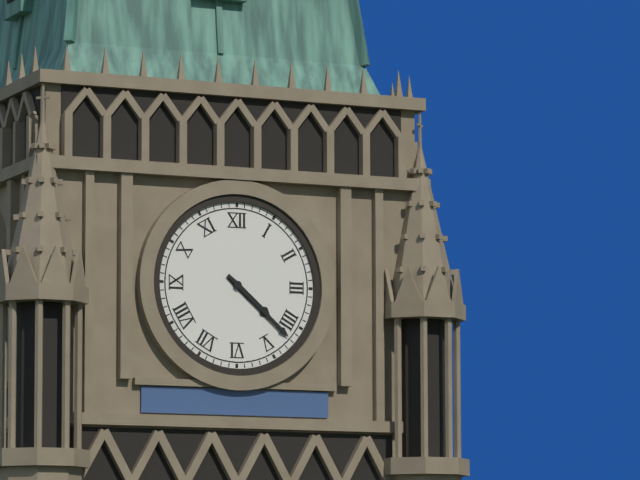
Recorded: 4h22
